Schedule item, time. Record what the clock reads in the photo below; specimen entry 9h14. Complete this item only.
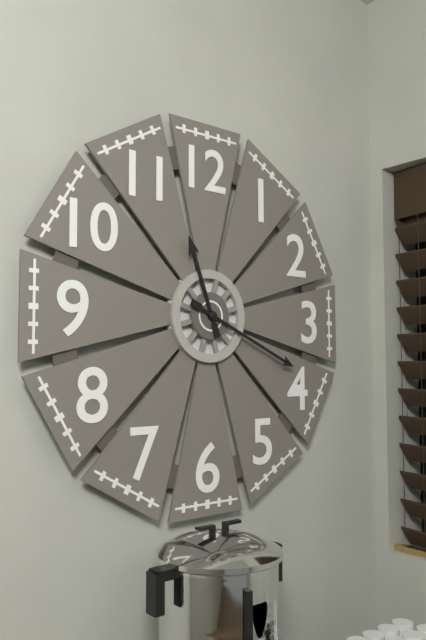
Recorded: 11h19
